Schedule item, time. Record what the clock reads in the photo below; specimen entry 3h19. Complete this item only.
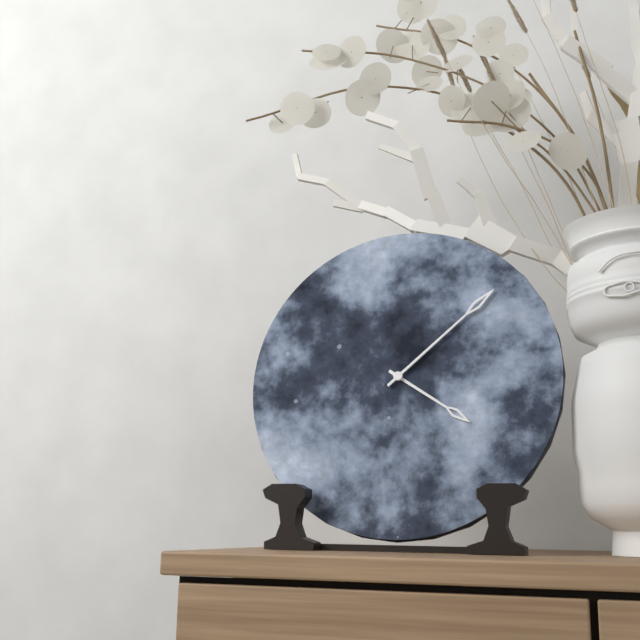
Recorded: 4h08
